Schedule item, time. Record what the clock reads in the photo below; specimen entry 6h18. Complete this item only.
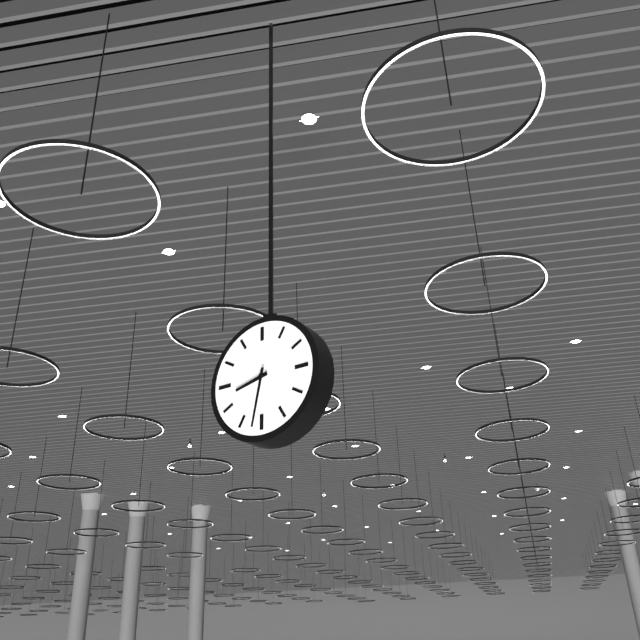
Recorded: 8h32
